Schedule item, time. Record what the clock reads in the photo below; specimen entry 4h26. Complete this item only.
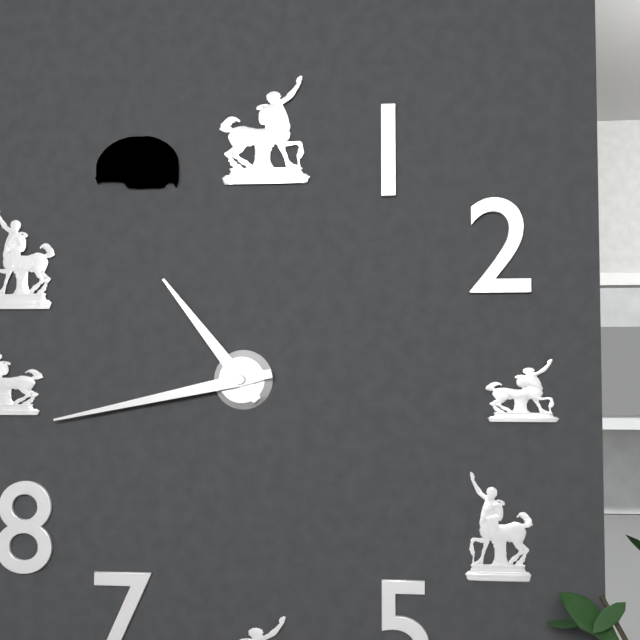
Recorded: 10h43
